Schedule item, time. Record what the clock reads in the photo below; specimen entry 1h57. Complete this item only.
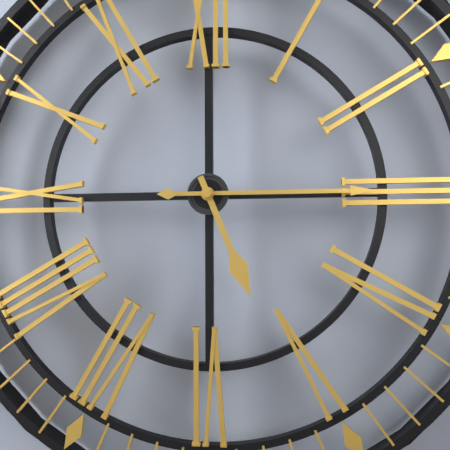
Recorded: 5h15
